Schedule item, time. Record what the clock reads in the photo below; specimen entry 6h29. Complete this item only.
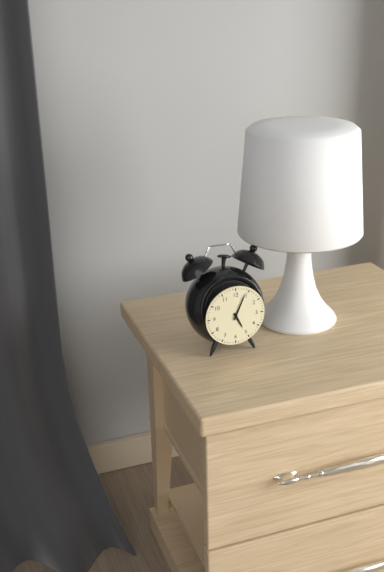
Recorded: 5h04
